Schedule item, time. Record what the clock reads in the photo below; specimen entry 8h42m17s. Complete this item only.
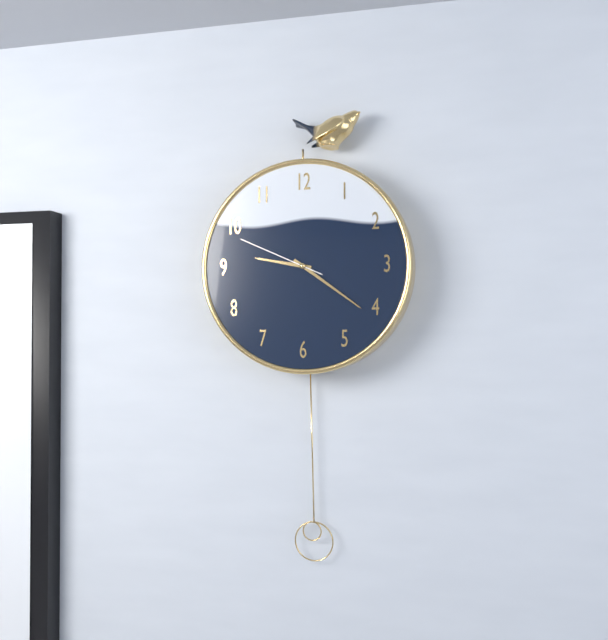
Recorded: 9h21m49s
